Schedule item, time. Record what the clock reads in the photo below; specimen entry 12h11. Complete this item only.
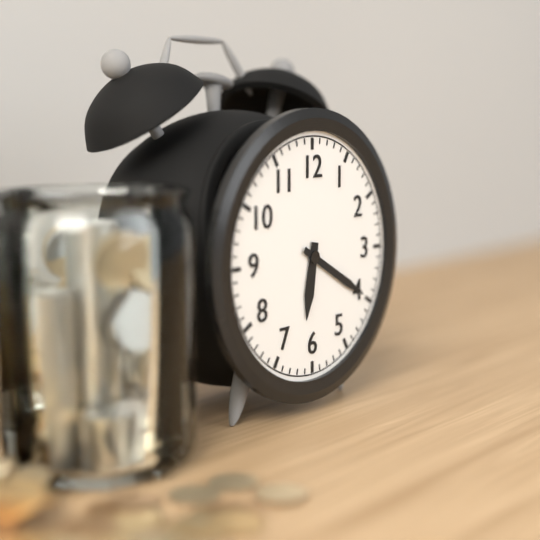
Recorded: 6h20
